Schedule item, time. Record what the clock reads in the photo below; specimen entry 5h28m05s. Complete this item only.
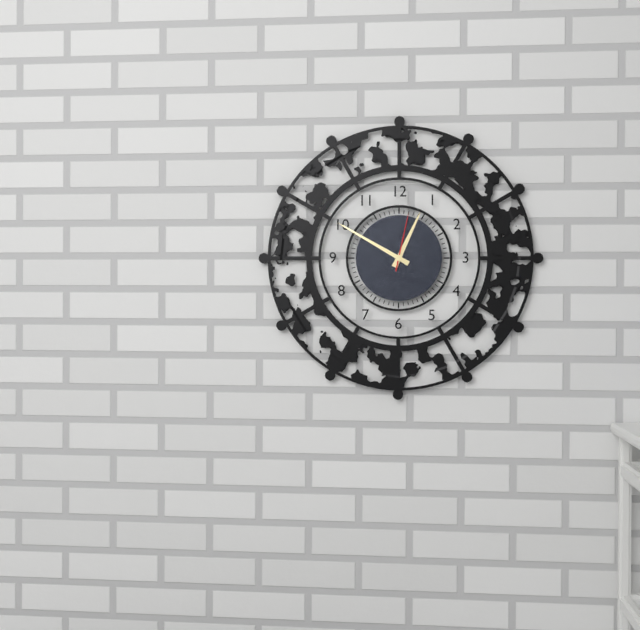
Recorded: 12h50m02s
